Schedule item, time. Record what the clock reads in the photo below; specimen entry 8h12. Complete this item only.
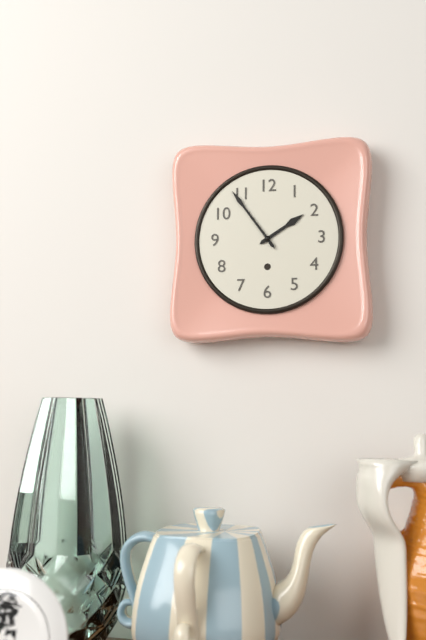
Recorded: 1h54
